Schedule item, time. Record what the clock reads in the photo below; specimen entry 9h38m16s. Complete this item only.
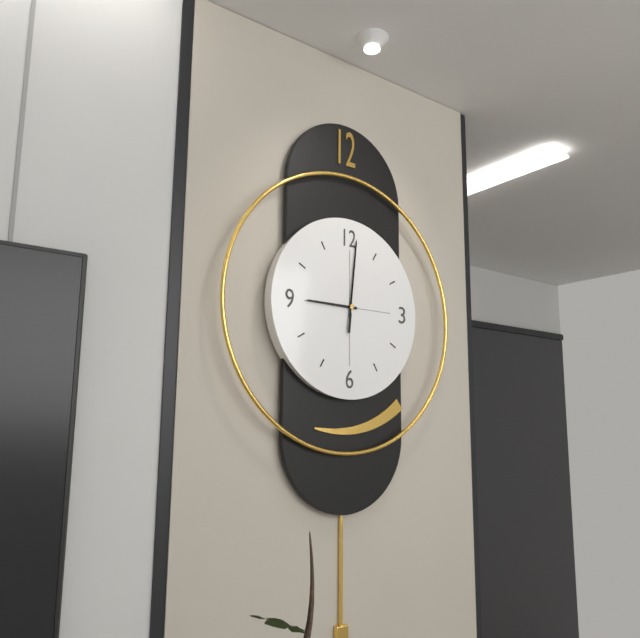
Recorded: 9h01m01s
